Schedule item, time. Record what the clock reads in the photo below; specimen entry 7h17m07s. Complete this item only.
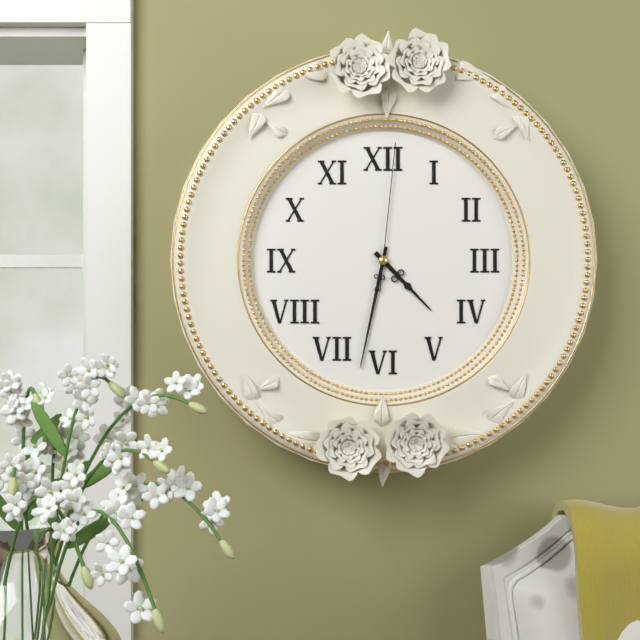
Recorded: 4h32m01s
